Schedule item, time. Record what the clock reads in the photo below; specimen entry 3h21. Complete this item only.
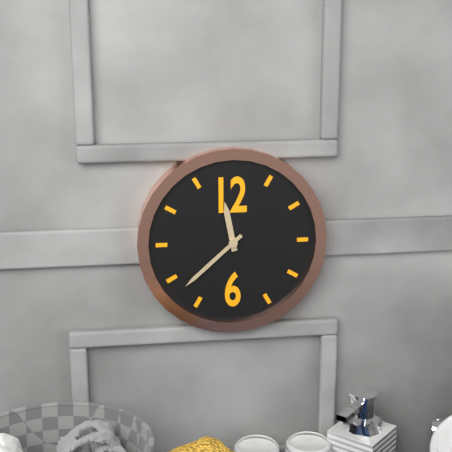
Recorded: 11h38
